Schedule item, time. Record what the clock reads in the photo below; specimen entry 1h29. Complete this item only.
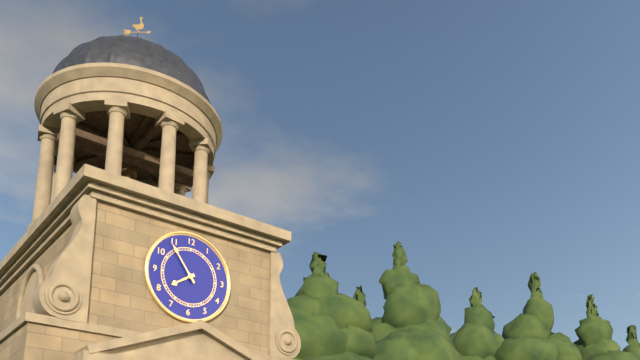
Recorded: 7h54
